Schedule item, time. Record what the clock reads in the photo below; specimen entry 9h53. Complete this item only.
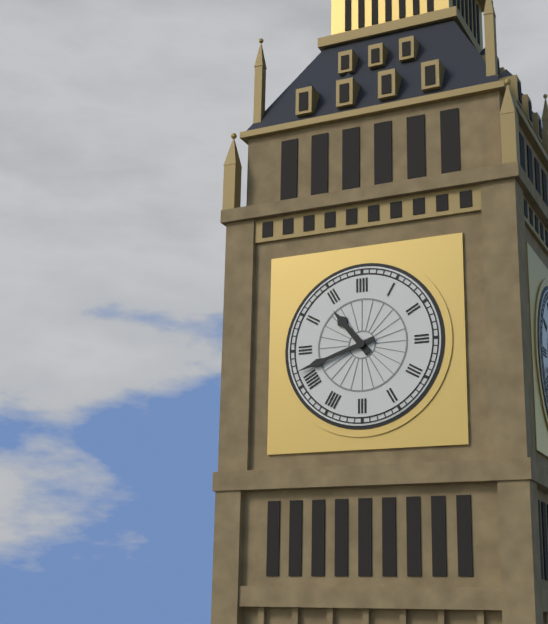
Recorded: 10h42
